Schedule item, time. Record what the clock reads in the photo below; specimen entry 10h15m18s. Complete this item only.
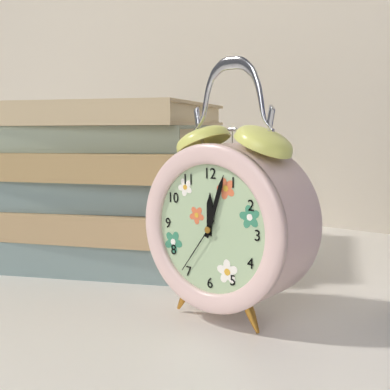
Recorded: 12h03m36s
